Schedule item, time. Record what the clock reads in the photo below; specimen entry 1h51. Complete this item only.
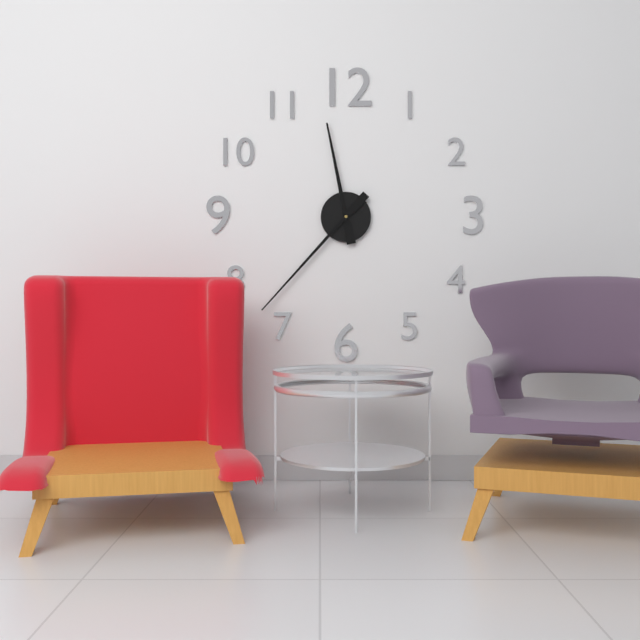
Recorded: 11h37
